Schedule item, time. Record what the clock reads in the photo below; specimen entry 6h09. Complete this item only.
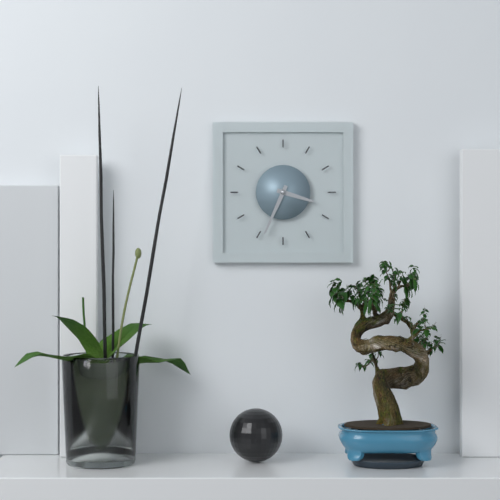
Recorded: 3h34
